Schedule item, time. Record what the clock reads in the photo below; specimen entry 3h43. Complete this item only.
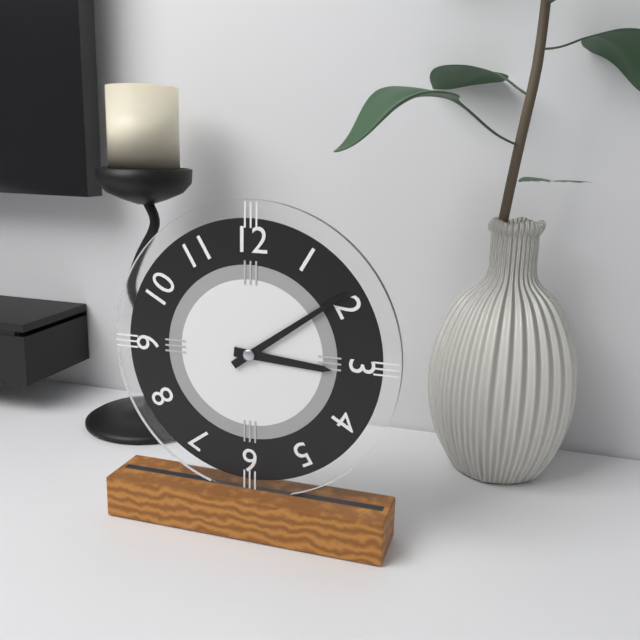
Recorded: 3h09
